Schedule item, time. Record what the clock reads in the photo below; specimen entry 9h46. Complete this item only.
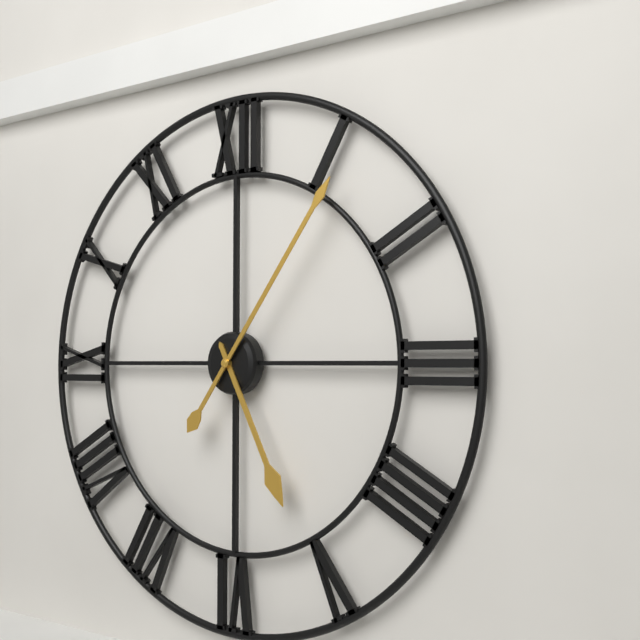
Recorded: 5h06
